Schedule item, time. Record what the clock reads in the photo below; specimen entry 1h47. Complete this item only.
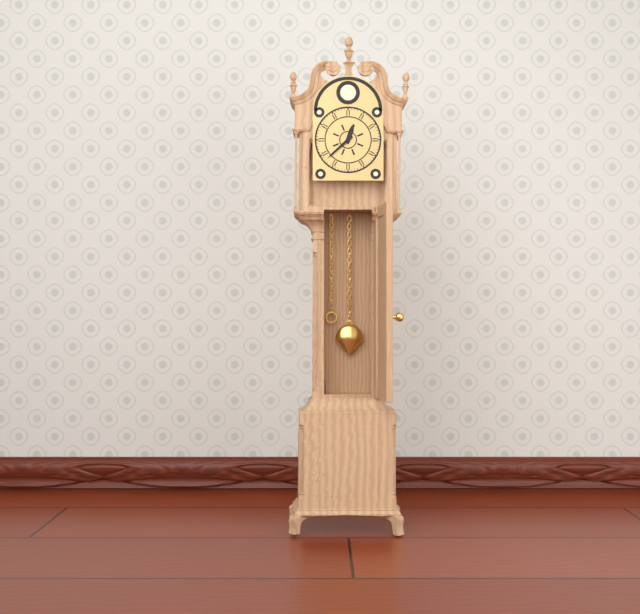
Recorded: 12h38
